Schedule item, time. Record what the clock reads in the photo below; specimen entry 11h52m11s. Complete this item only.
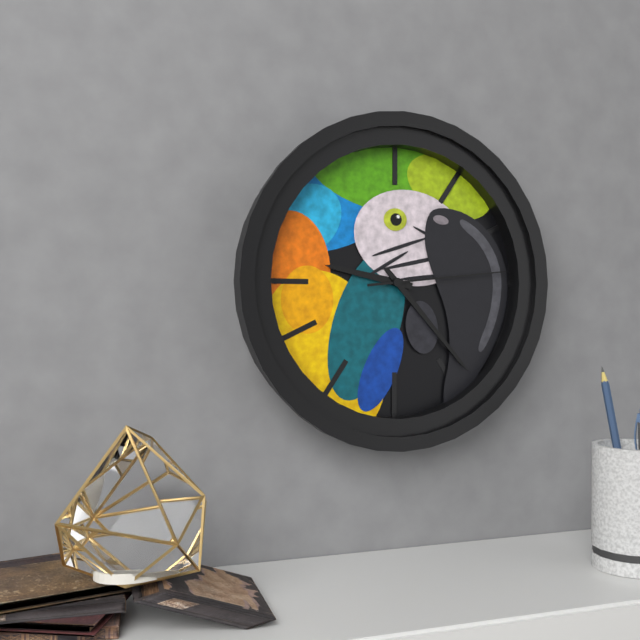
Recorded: 9h23m14s
